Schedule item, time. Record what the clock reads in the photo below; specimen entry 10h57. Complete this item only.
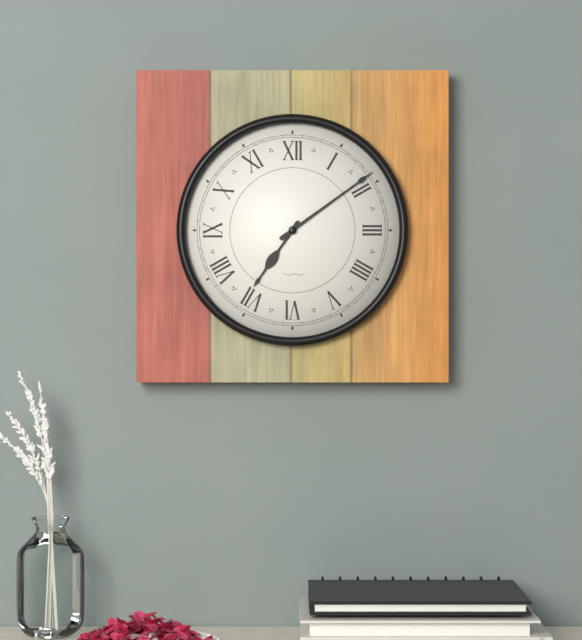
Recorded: 7h09
